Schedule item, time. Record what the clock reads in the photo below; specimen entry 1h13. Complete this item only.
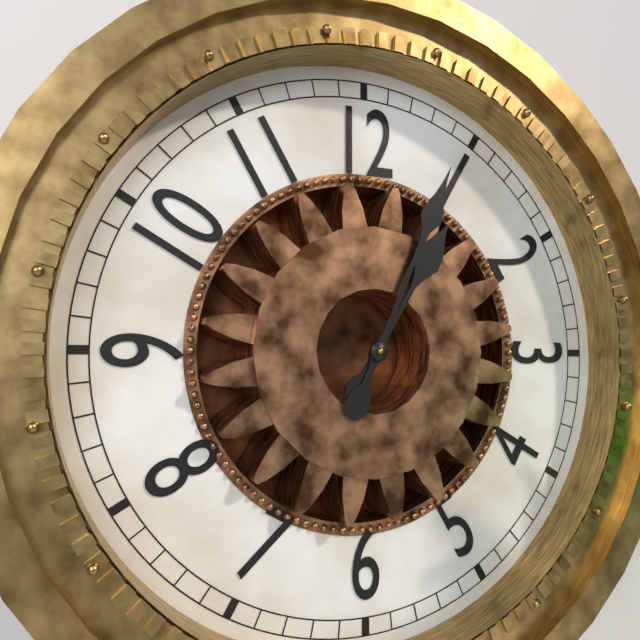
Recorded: 1h04
